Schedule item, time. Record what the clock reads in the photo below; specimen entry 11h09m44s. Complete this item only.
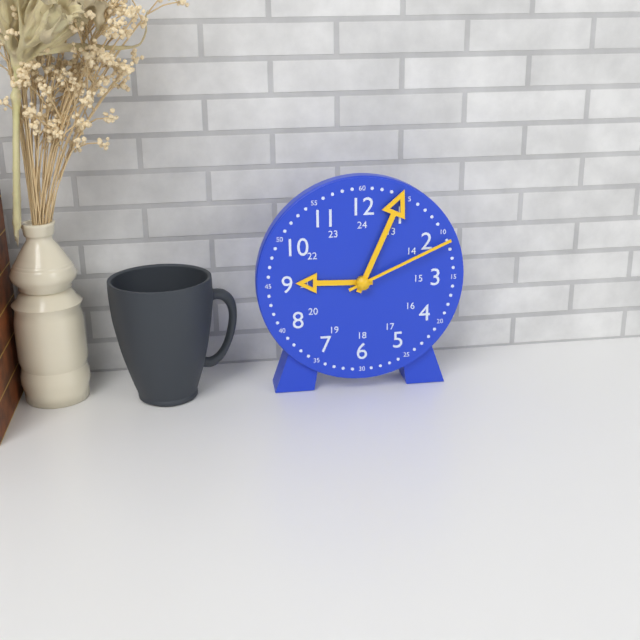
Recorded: 9h04m11s
